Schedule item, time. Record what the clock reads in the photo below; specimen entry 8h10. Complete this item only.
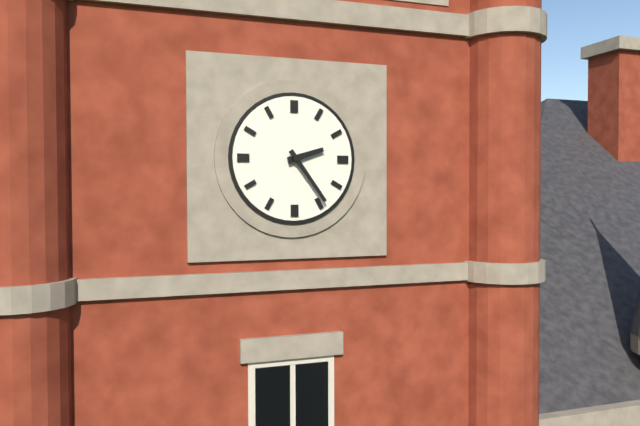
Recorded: 2h24
